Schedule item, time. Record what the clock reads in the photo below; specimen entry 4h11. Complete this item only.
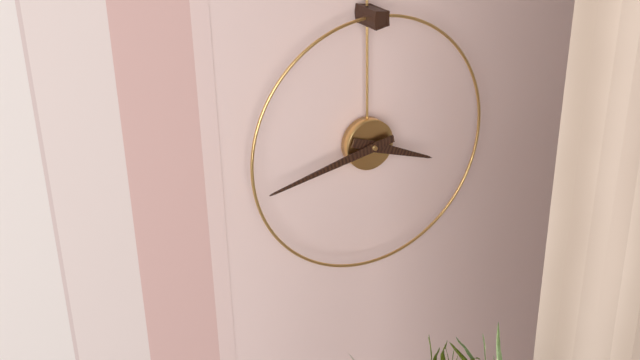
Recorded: 3h43
